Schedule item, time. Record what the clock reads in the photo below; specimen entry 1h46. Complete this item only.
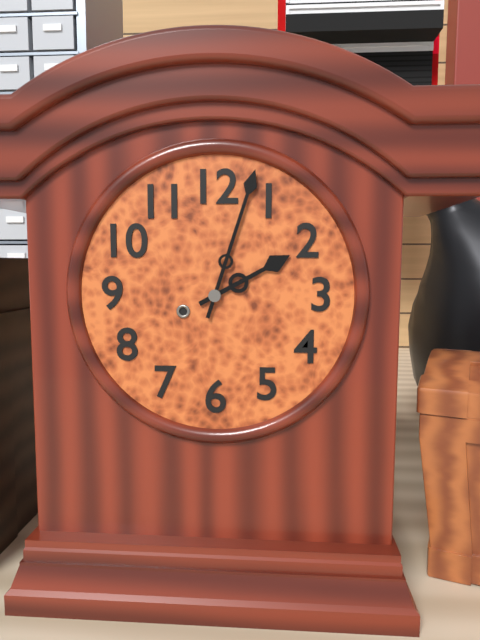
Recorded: 2h03
